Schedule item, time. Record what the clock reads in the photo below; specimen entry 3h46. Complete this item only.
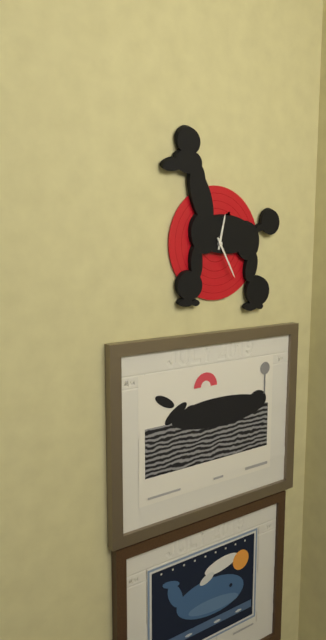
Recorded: 12h25
